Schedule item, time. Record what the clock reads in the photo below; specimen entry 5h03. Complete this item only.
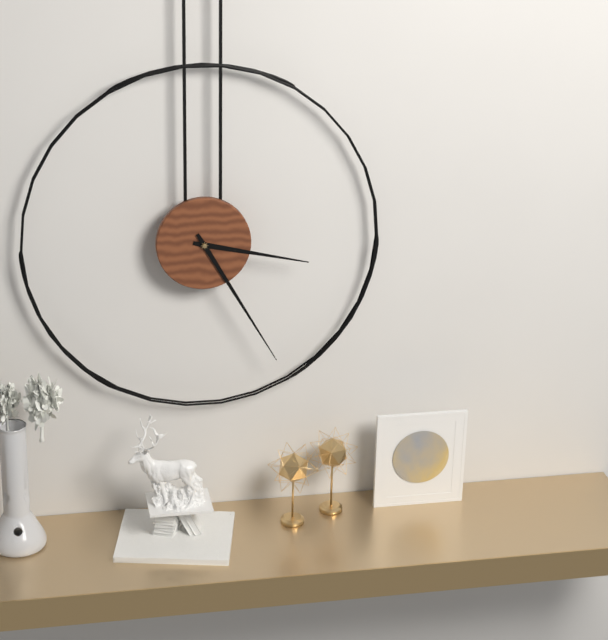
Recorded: 3h25
